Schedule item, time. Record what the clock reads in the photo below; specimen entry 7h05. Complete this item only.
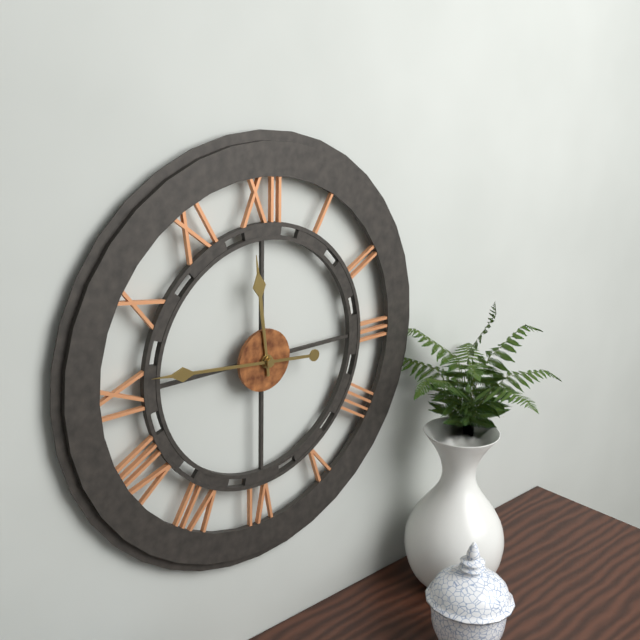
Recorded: 11h46
